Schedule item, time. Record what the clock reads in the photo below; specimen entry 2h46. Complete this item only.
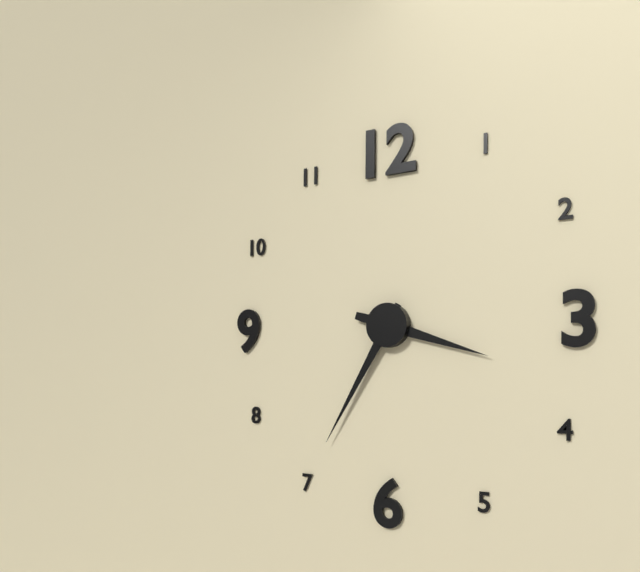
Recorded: 3h35
